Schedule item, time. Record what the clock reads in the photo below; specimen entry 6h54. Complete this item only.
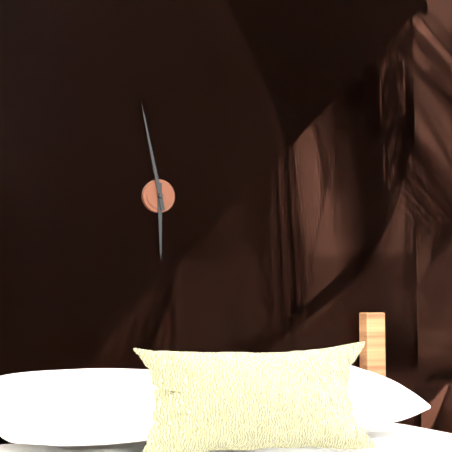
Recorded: 5h58
